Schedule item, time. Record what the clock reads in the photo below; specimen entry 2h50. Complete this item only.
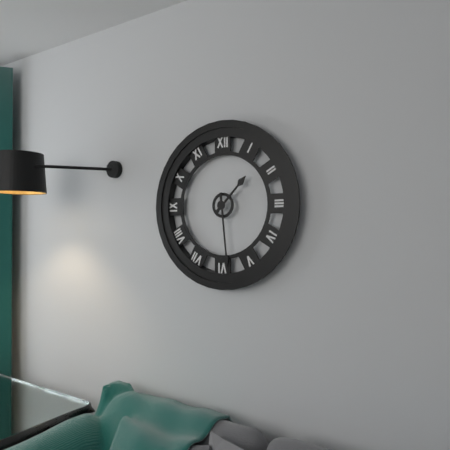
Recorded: 1h29
